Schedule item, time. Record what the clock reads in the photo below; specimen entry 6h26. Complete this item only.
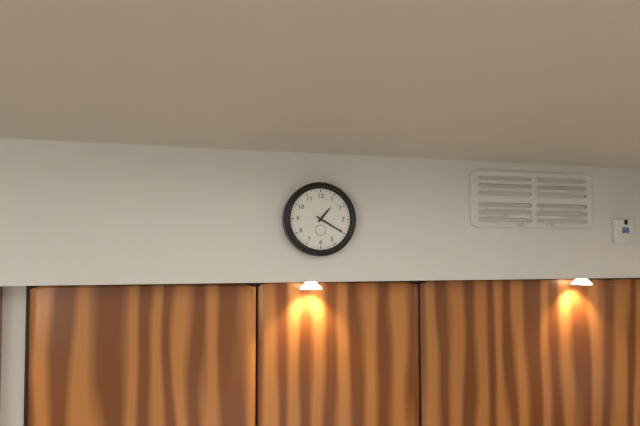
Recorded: 1h20
